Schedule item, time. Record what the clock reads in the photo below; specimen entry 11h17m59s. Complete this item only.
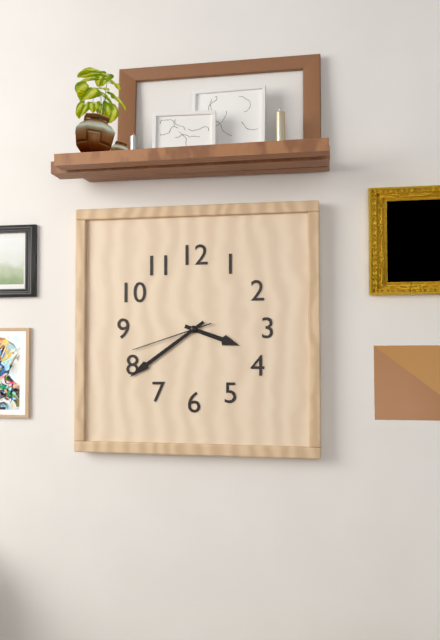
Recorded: 3h39m42s
